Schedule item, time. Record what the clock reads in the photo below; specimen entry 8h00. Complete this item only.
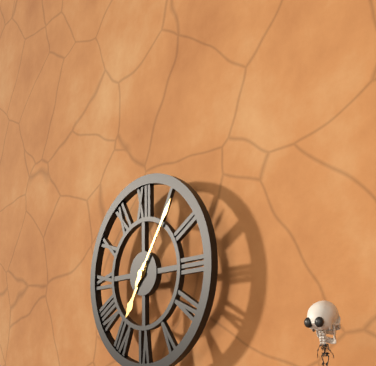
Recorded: 7h06
